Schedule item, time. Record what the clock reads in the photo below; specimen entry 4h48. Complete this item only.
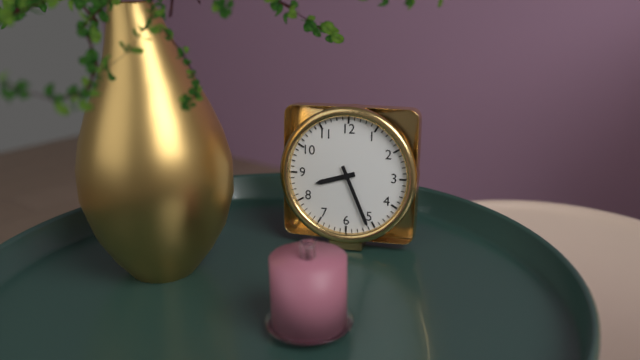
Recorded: 8h26
